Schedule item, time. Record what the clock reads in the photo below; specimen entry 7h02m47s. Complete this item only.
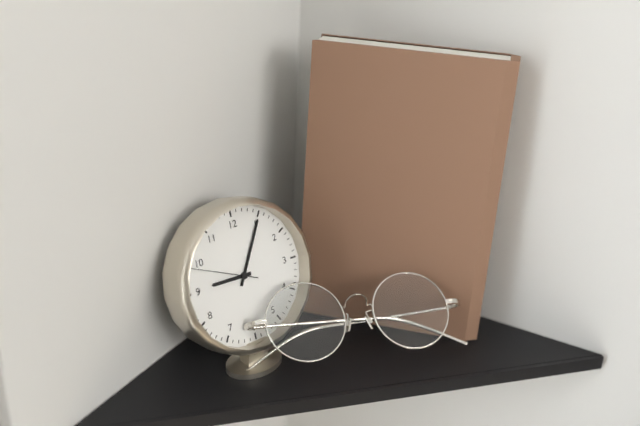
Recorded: 9h05m49s
